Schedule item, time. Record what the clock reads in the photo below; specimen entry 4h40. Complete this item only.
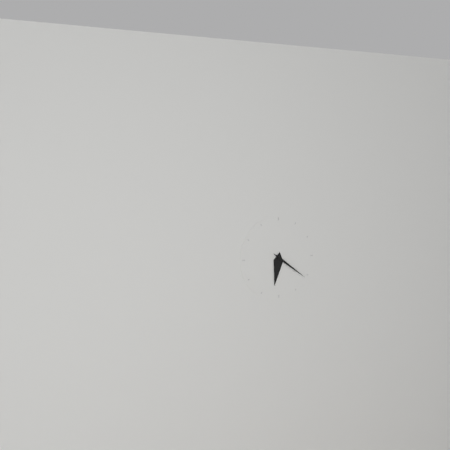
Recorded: 6h21
